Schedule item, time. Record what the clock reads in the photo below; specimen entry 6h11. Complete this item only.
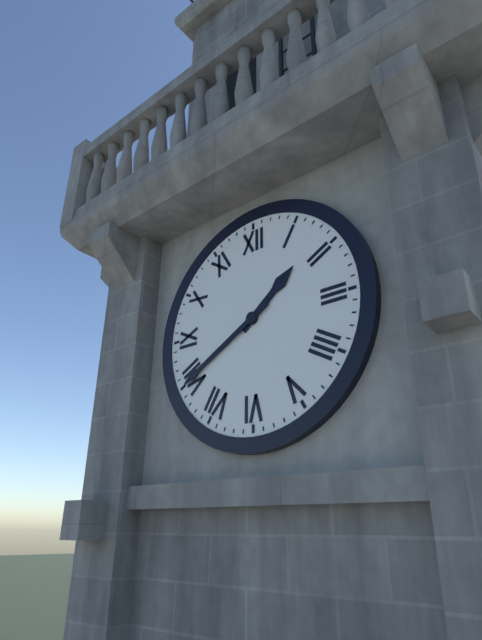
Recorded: 1h40
